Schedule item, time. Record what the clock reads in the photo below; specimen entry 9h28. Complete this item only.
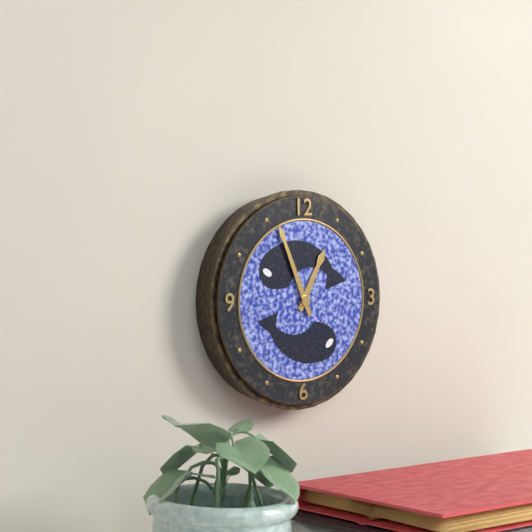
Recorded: 12h56
